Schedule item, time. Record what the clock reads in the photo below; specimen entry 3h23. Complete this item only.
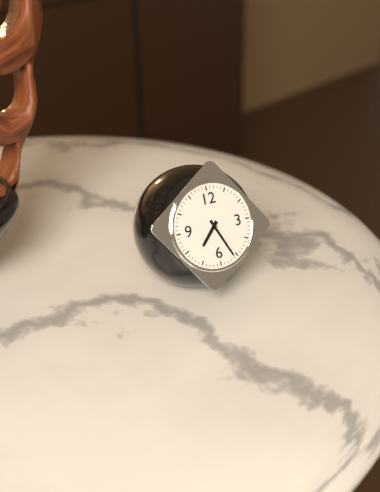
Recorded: 7h26
